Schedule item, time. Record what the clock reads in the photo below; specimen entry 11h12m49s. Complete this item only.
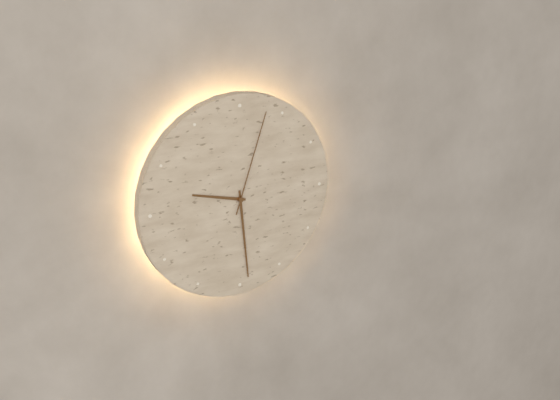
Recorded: 9h29m03s
